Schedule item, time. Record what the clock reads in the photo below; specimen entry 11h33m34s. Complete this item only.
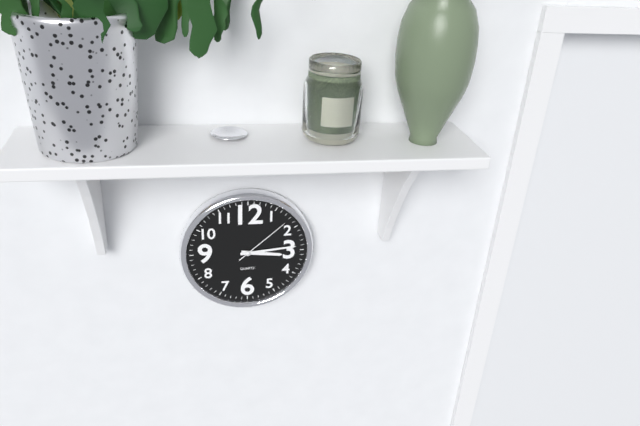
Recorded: 3h14m08s
